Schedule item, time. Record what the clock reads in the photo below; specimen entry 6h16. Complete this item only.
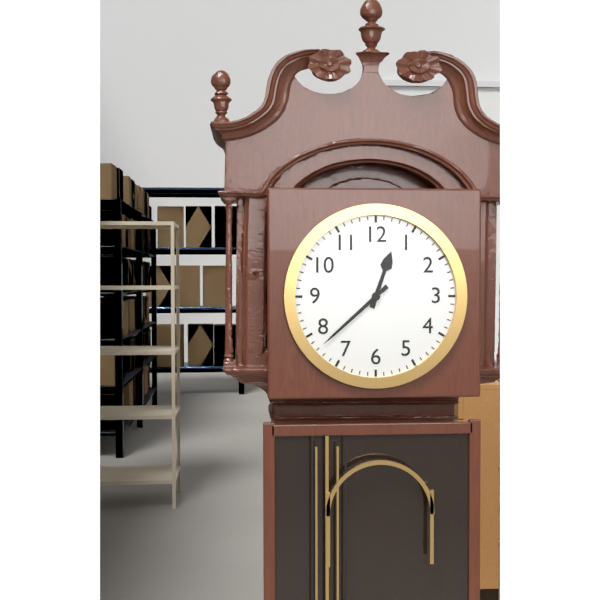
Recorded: 12h38
